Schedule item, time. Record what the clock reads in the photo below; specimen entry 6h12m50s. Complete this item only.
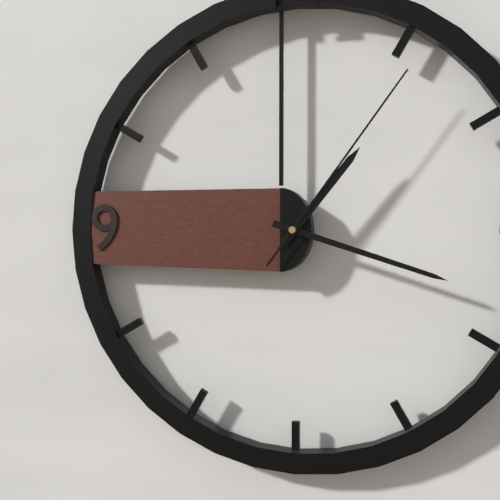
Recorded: 1h18m06s
